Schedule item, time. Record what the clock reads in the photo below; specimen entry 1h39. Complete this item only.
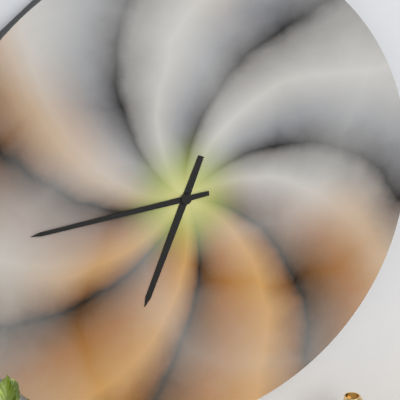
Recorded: 6h44
